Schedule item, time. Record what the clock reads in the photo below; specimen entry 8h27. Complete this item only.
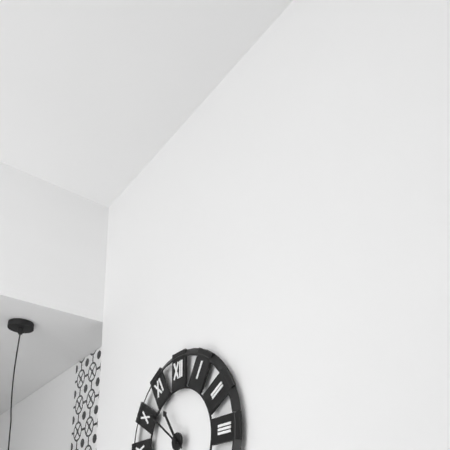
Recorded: 10h51
